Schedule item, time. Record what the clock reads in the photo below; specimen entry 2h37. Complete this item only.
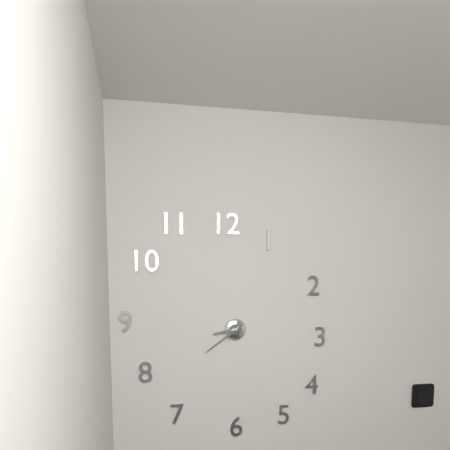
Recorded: 8h39
